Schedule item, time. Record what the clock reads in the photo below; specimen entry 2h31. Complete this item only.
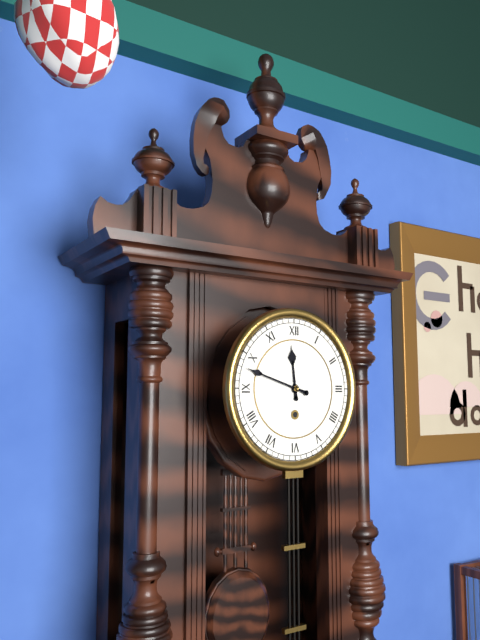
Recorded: 11h48
